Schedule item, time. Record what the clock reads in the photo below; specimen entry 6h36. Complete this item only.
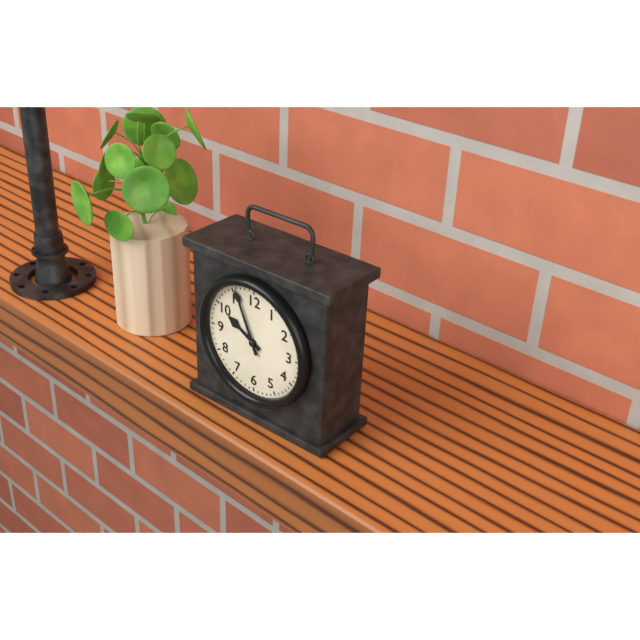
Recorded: 9h56
